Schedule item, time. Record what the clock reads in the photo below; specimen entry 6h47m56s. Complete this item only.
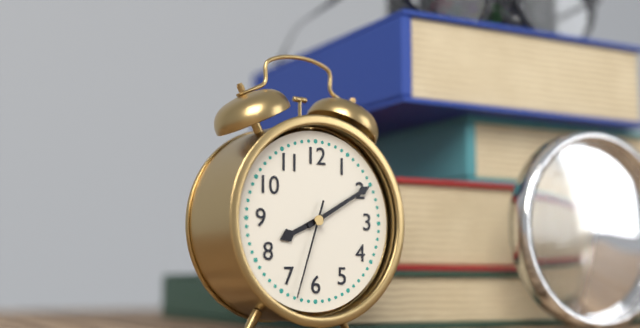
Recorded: 8h10m33s
